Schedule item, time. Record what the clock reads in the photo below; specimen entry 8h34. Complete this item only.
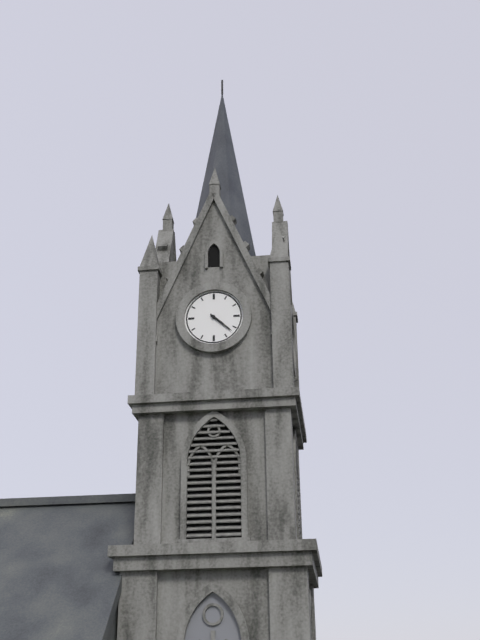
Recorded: 4h22
